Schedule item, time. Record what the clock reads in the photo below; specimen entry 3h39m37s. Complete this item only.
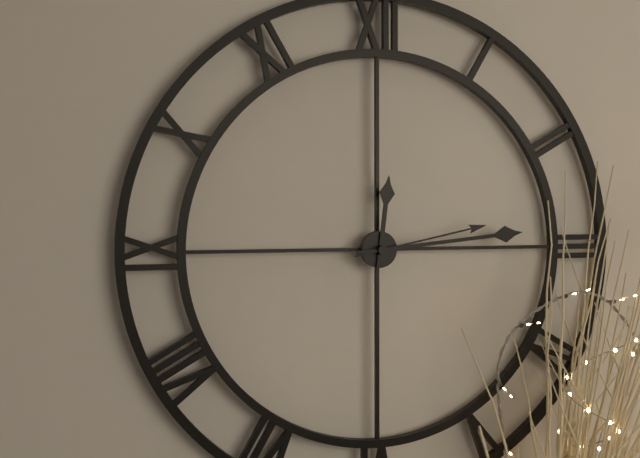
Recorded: 12h14m13s
